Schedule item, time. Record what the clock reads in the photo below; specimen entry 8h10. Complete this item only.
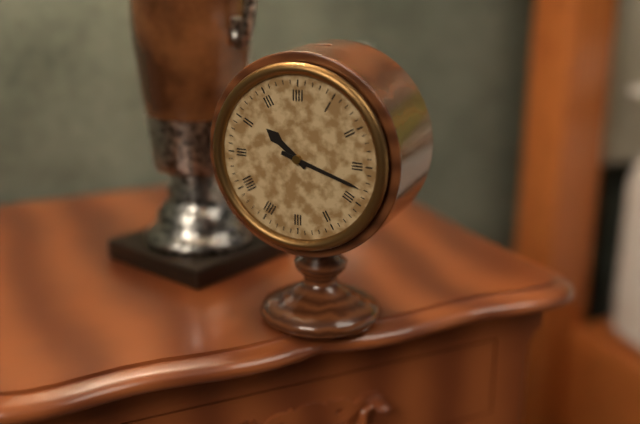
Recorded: 10h18
